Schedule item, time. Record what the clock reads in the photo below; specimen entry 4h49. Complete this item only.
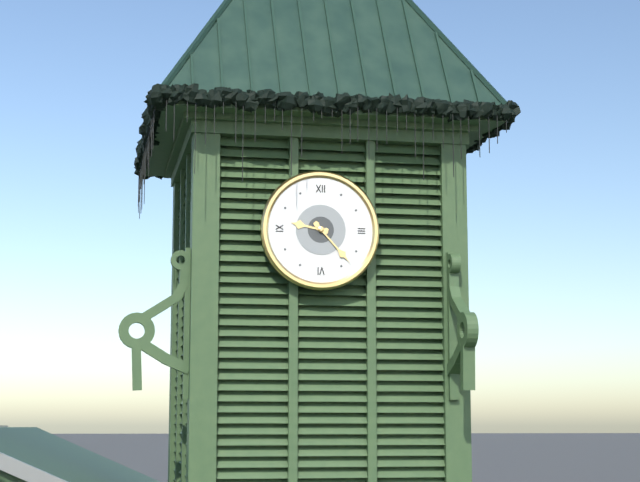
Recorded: 9h23
